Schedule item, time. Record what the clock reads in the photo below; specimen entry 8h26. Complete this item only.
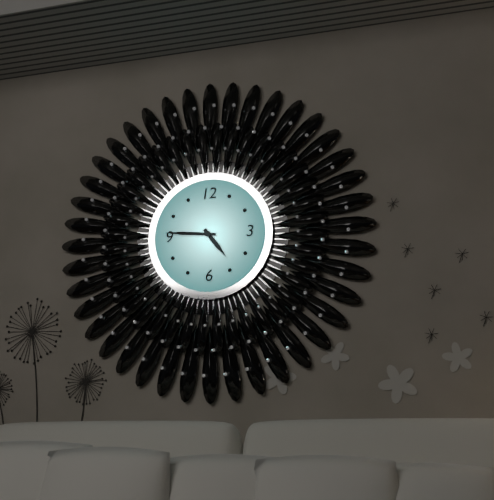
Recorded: 4h46
